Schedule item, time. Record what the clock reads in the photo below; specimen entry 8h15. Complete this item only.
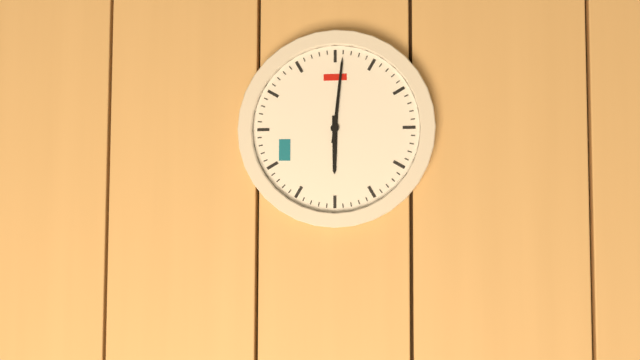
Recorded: 6h01
